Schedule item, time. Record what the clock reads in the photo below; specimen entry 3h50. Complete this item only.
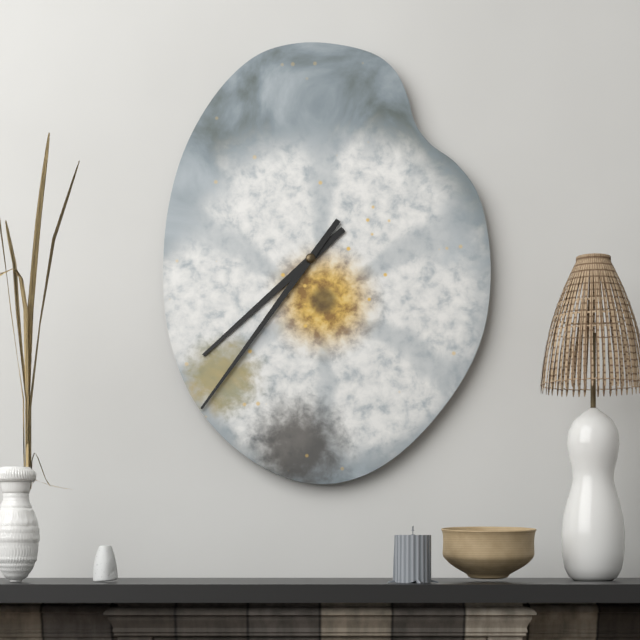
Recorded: 7h36
